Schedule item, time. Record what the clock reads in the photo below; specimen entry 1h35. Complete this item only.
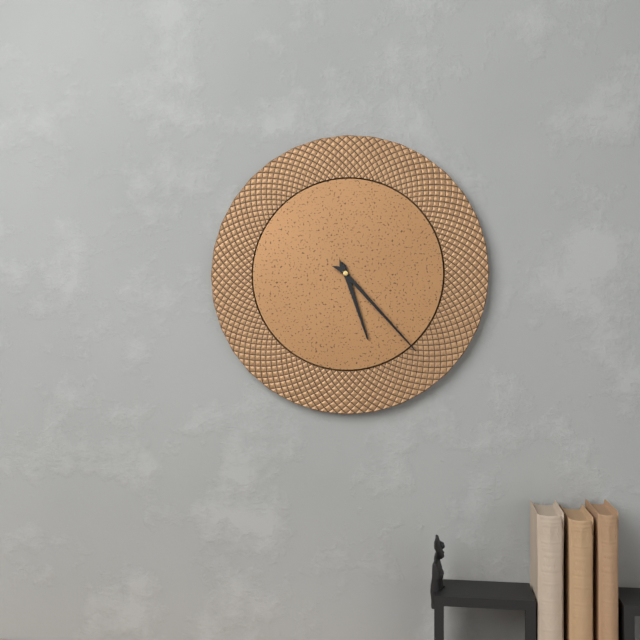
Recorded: 5h23
